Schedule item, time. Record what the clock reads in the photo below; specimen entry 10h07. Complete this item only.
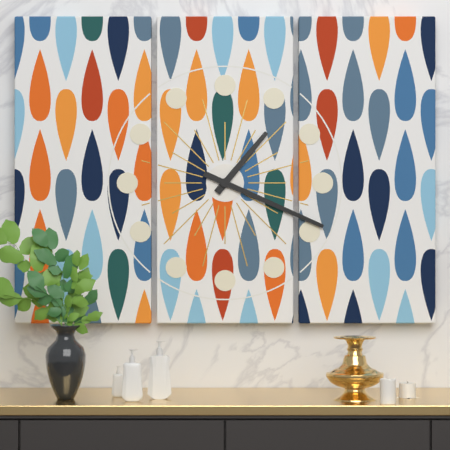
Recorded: 1h19
